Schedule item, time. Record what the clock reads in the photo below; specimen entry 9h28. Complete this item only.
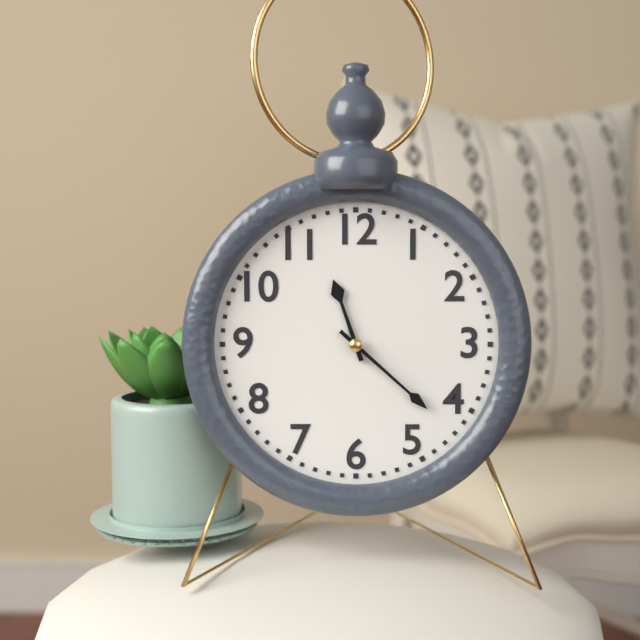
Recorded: 11h22
